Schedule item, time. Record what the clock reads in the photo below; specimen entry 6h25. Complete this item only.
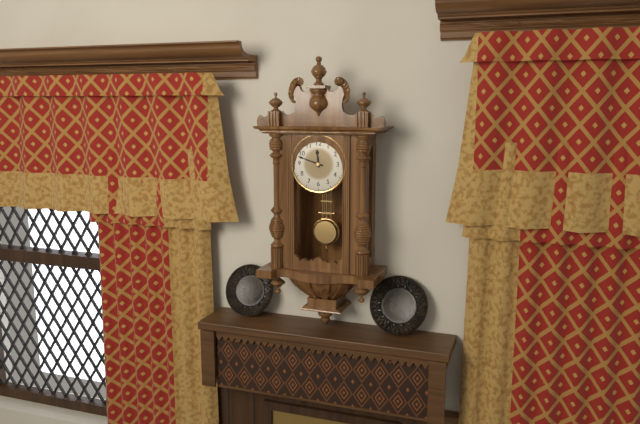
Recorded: 11h48
